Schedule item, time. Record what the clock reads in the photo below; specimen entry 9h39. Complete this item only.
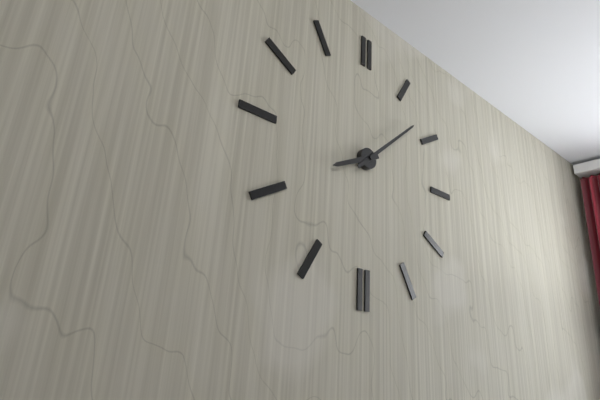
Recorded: 8h08
